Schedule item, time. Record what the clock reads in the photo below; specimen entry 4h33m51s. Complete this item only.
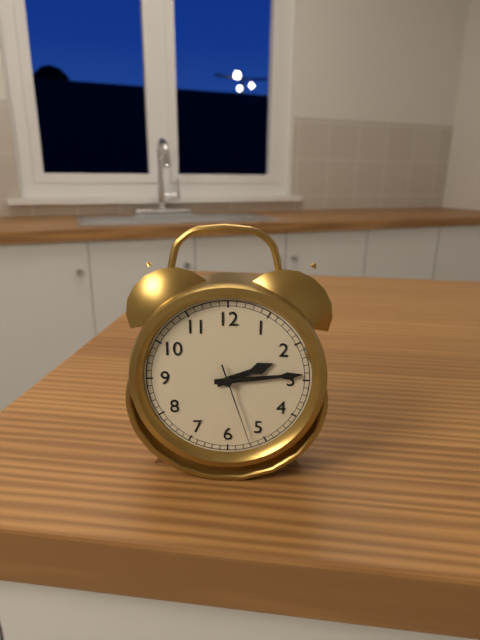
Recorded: 2h14m27s
